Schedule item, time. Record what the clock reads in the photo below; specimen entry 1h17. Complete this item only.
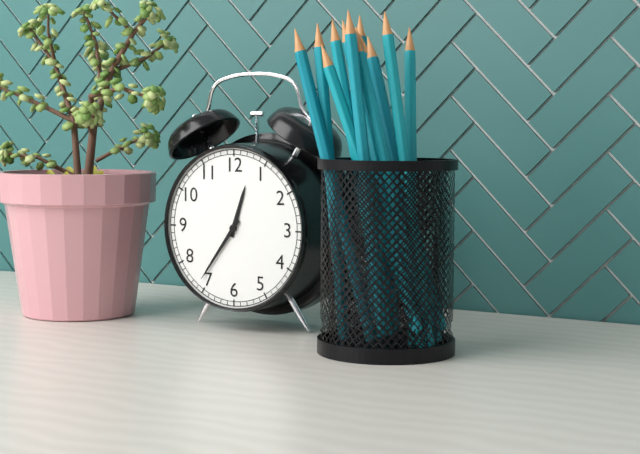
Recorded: 12h36
